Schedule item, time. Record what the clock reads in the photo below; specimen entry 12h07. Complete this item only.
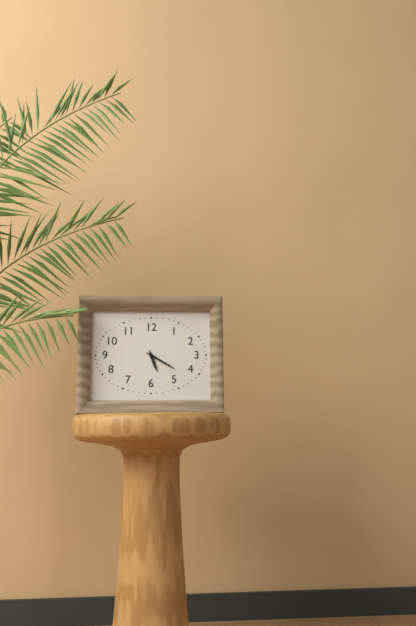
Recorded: 5h20
